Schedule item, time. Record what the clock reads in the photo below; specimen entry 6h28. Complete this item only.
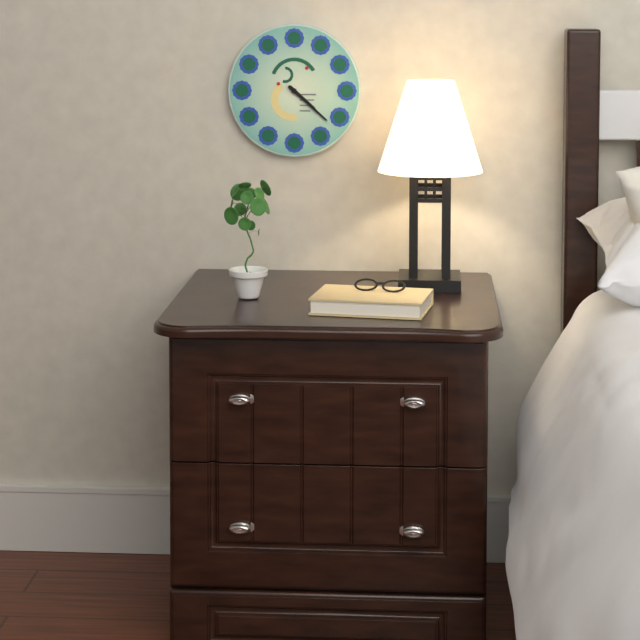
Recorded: 4h22
